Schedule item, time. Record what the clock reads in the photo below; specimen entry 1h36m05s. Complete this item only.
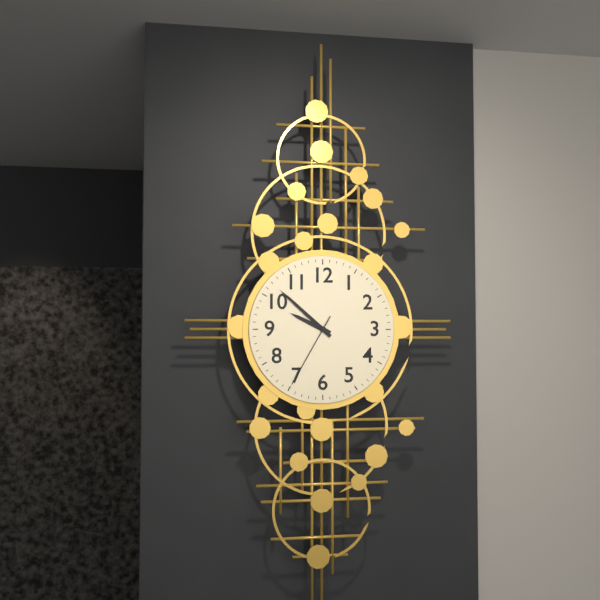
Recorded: 9h52m35s
